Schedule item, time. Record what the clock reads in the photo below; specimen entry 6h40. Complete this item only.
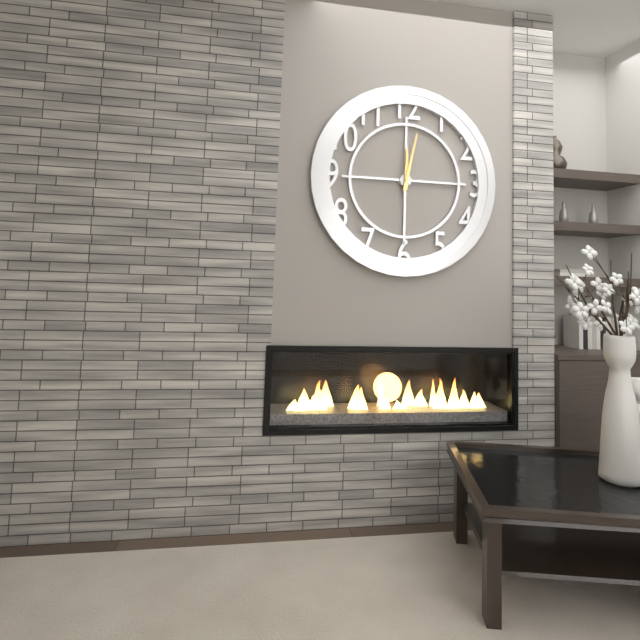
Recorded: 12h02
